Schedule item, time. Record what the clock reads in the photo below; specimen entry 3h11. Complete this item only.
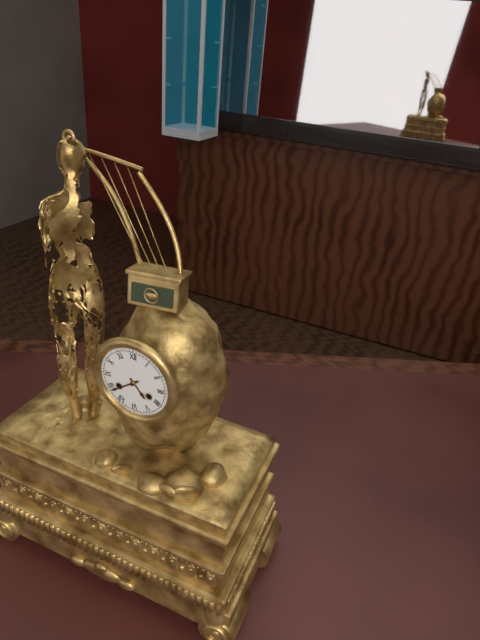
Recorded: 4h39
